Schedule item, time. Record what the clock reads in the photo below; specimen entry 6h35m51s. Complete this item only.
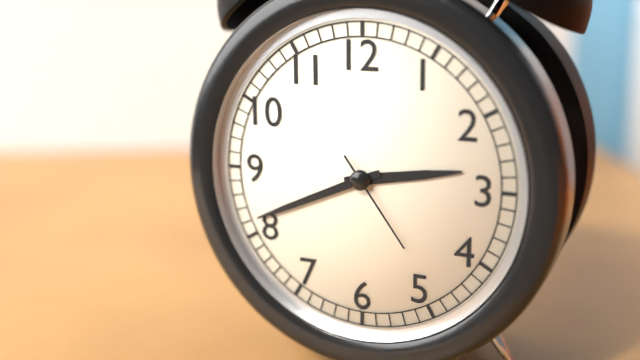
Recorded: 2h41m24s
